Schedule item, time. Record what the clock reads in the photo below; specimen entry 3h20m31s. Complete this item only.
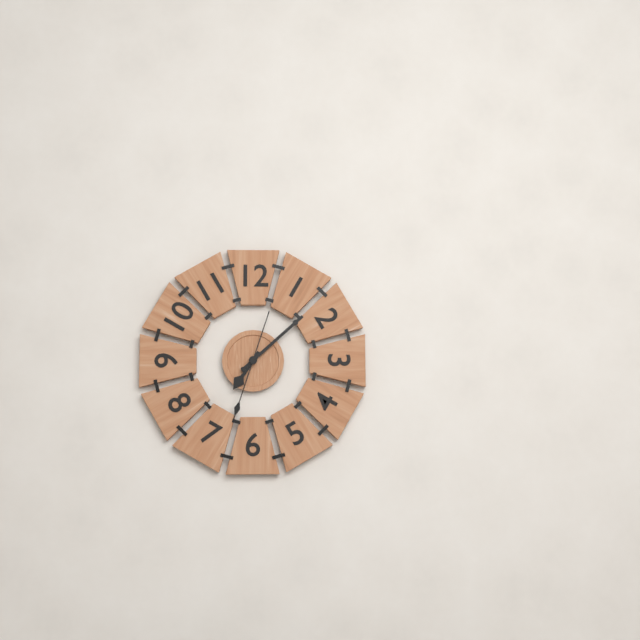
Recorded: 7h08m33s
